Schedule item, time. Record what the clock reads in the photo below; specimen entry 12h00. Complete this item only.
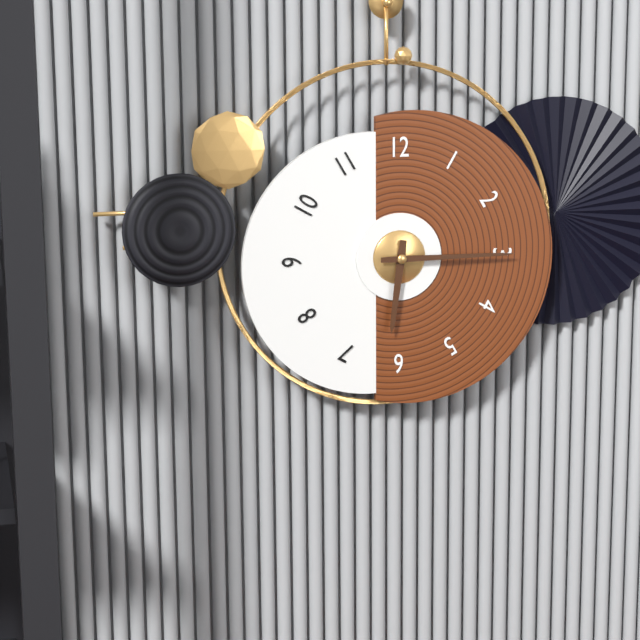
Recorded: 6h15
